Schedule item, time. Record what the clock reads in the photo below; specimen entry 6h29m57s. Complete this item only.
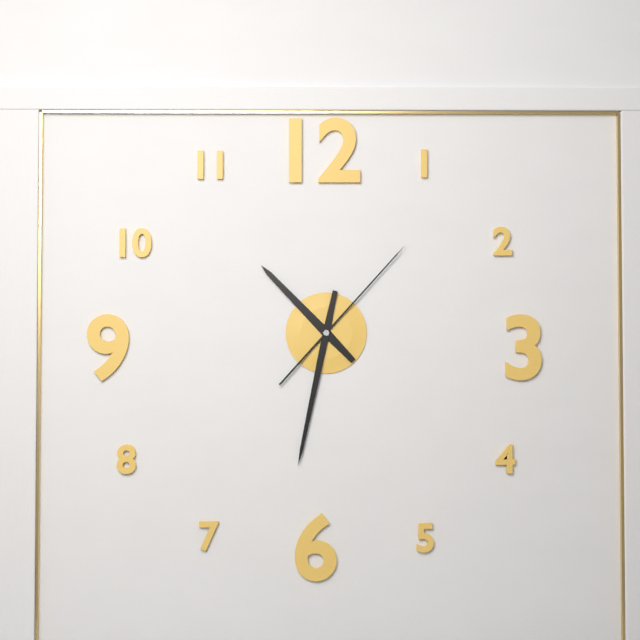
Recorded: 10h32m07s
